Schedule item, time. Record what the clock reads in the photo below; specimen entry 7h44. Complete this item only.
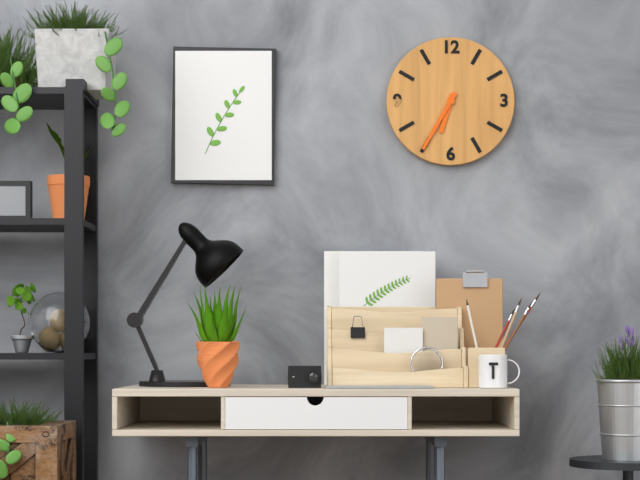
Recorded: 6h35
